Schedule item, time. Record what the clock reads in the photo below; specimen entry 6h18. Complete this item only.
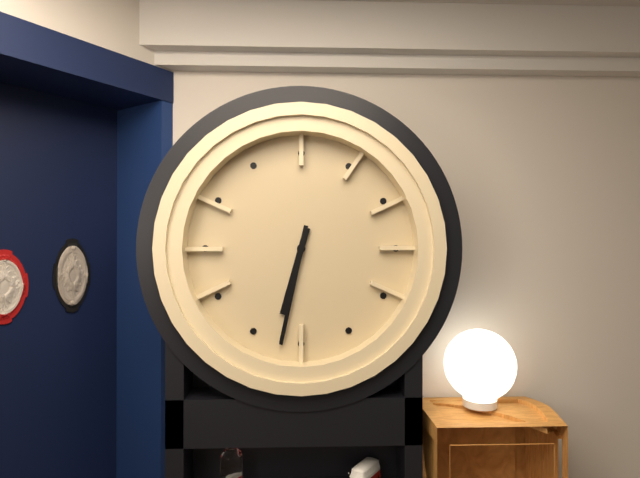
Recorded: 6h32
